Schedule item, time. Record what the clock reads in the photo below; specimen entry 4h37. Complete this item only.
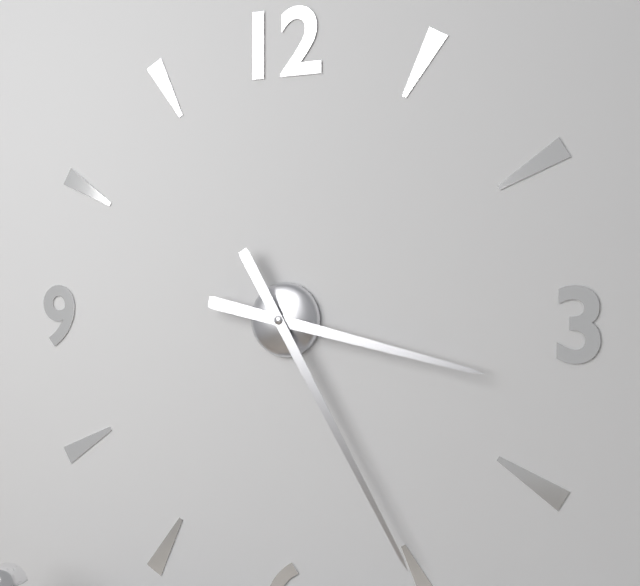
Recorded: 3h25
